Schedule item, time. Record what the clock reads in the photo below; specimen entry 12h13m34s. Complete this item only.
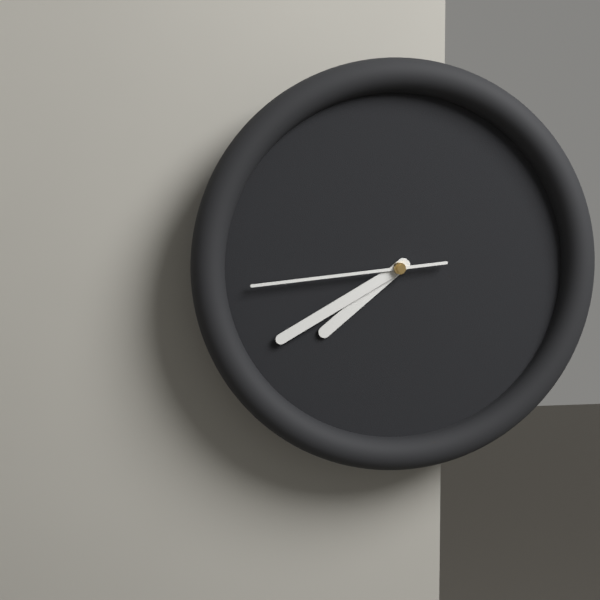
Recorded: 7h40m44s
